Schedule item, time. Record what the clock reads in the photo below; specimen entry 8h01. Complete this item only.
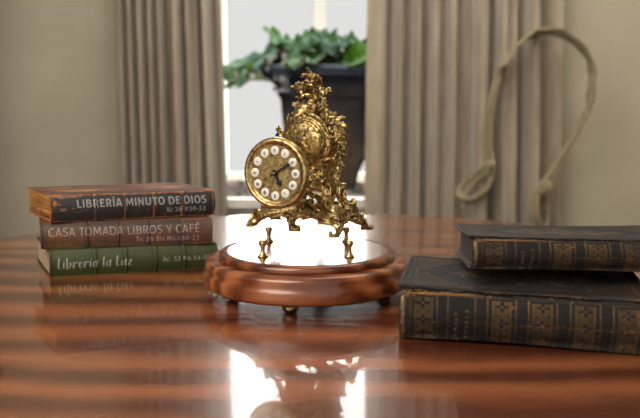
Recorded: 5h10
